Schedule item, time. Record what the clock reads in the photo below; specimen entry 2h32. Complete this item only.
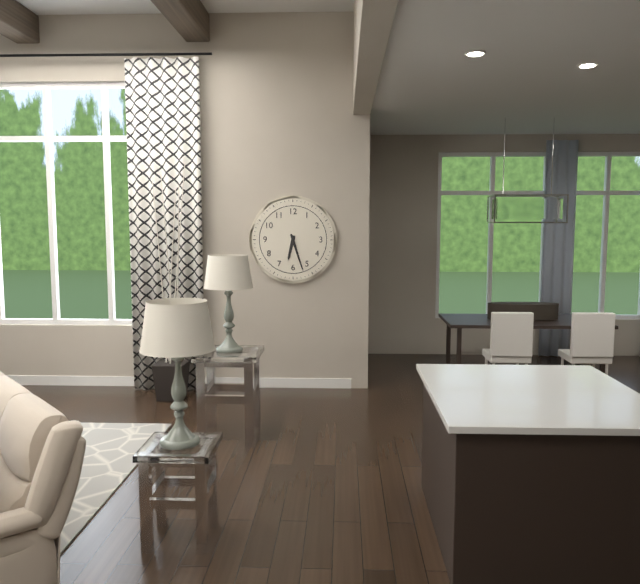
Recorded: 6h27
